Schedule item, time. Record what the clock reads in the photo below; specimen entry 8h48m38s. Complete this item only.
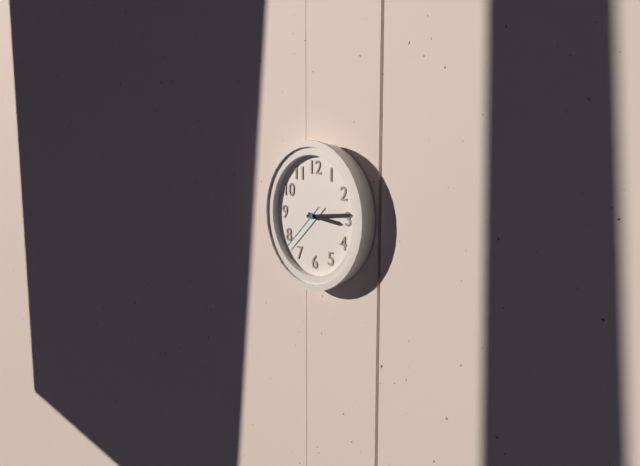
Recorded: 3h14m38s
